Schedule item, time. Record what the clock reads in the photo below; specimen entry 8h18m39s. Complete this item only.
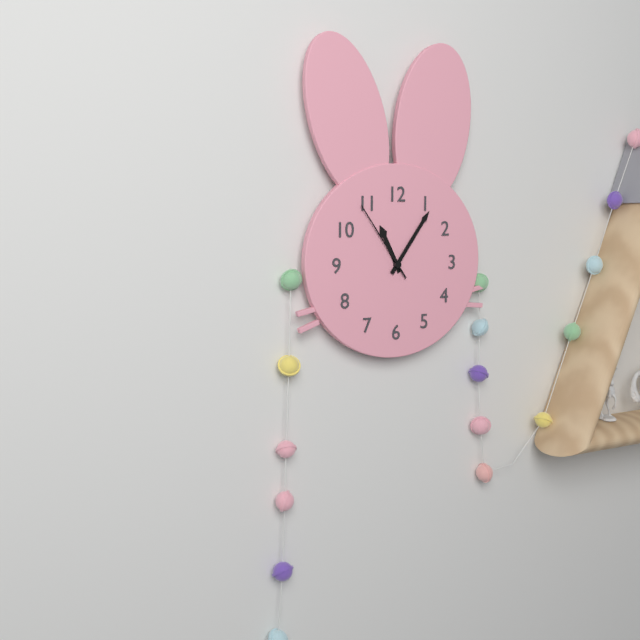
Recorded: 11h06m54s
